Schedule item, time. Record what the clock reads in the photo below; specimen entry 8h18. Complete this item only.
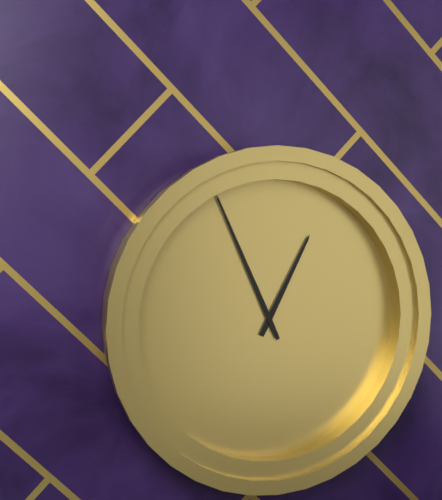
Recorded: 12h56
